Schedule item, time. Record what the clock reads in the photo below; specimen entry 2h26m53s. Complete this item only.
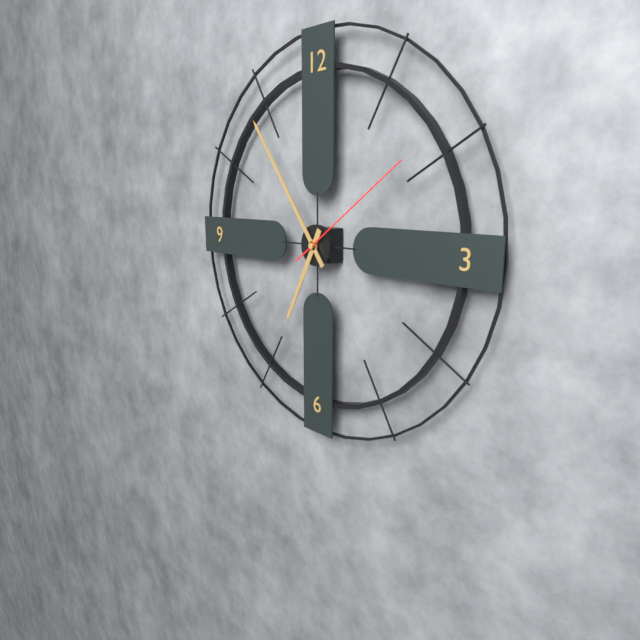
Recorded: 6h54m09s
